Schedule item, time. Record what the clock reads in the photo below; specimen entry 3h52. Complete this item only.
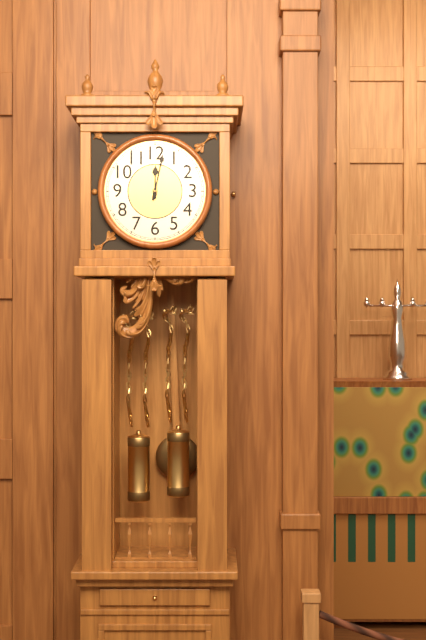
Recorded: 12h02
